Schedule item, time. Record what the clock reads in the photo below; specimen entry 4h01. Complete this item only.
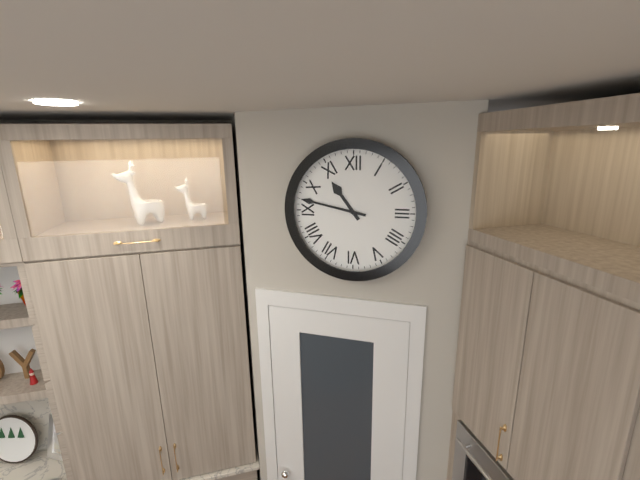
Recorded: 10h47
